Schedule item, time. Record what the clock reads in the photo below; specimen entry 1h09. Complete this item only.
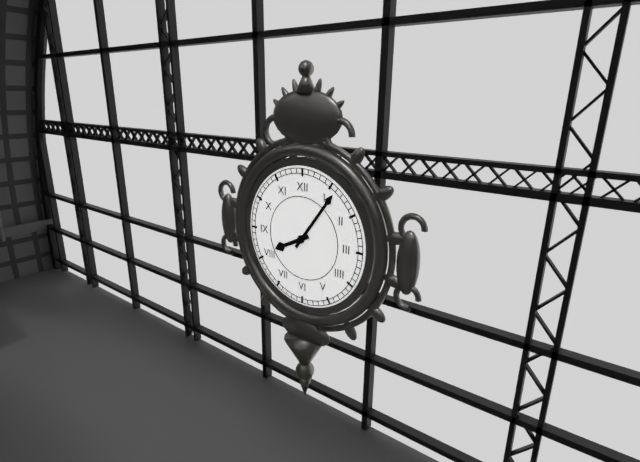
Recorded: 8h06
